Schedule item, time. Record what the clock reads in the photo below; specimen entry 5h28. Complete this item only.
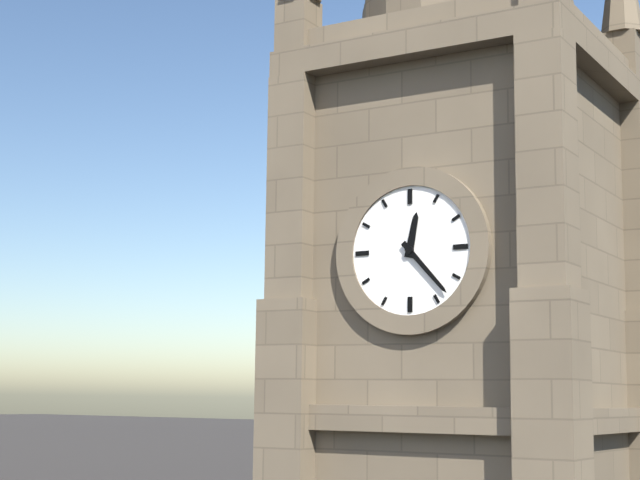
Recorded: 12h23
